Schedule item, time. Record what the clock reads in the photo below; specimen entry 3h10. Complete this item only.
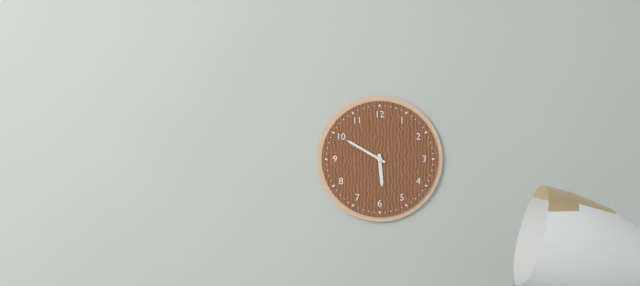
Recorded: 5h50
